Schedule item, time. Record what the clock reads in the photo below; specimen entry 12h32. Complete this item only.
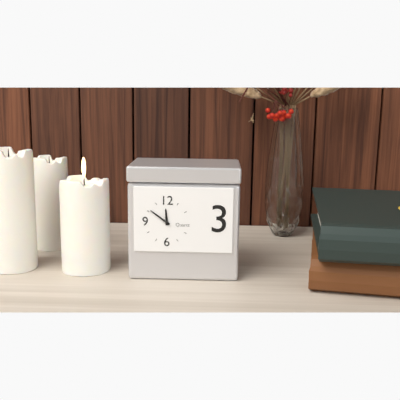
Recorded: 11h51
